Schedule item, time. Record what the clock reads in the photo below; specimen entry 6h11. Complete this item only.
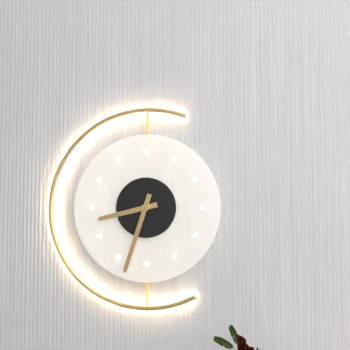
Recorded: 8h33
